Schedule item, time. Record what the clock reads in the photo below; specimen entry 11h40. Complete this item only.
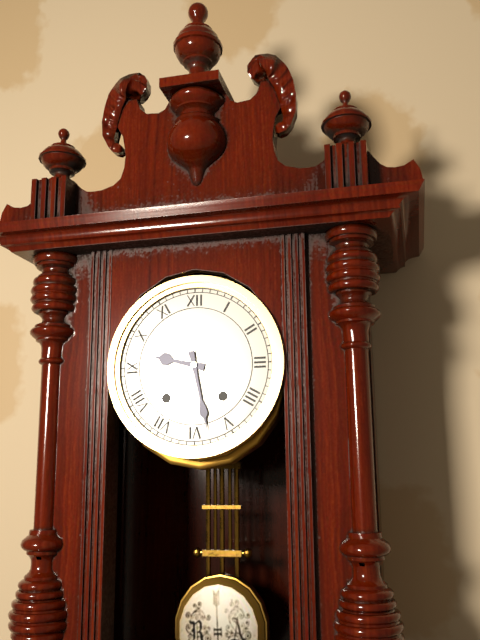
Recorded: 9h28
